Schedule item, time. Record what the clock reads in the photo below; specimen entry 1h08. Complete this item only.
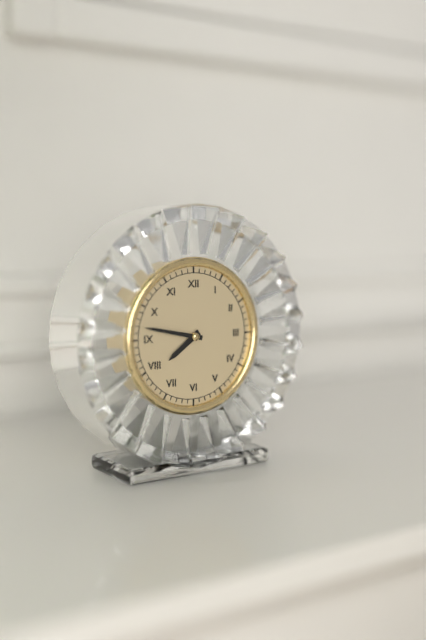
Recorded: 7h47
